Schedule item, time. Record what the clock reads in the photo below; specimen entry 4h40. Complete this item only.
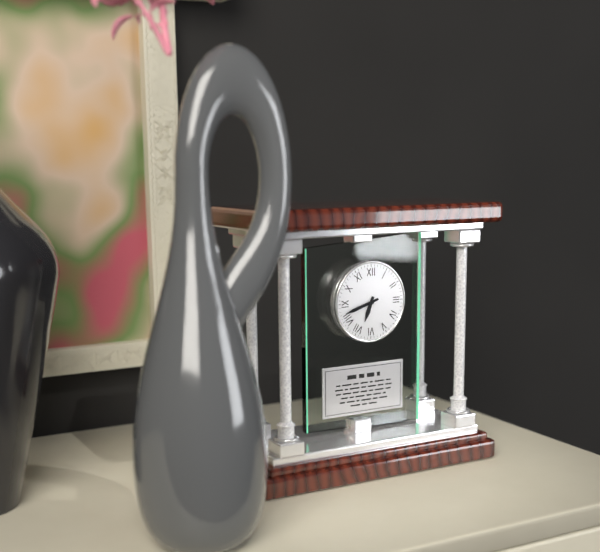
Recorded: 6h42
